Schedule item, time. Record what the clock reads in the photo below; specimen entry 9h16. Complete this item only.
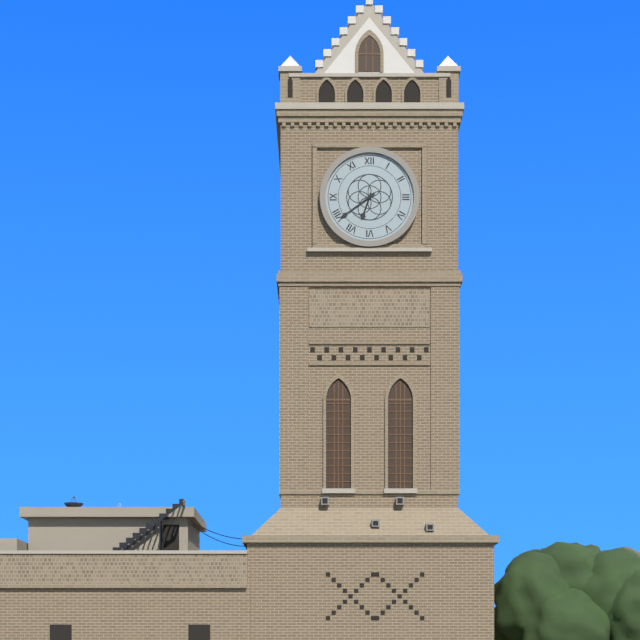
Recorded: 6h39
